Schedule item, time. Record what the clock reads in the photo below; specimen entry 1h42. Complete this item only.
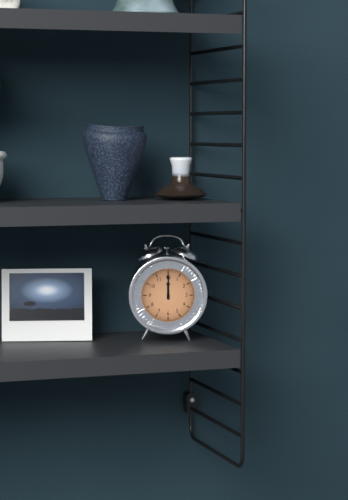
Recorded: 12h00
